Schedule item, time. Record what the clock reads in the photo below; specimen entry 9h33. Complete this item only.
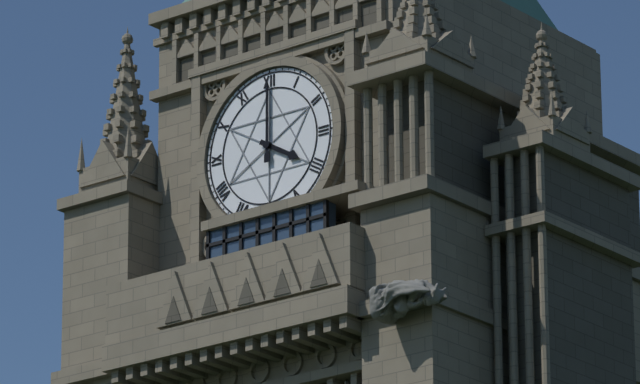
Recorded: 4h00
